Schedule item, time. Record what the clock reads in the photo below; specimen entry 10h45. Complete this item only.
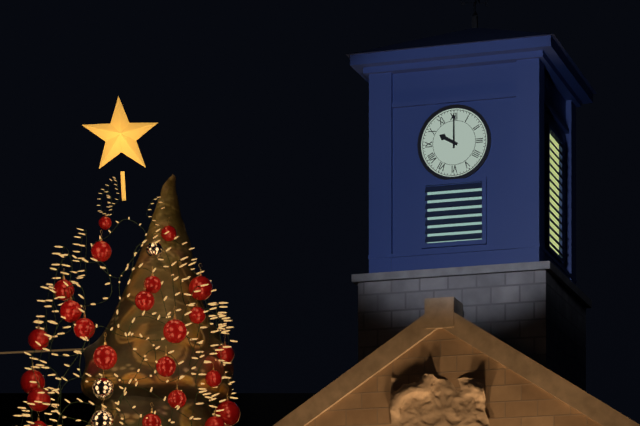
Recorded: 10h00
